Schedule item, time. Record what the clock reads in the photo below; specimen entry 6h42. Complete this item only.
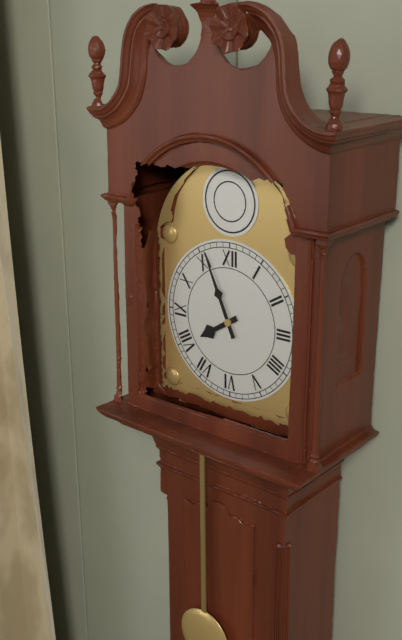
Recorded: 7h56
